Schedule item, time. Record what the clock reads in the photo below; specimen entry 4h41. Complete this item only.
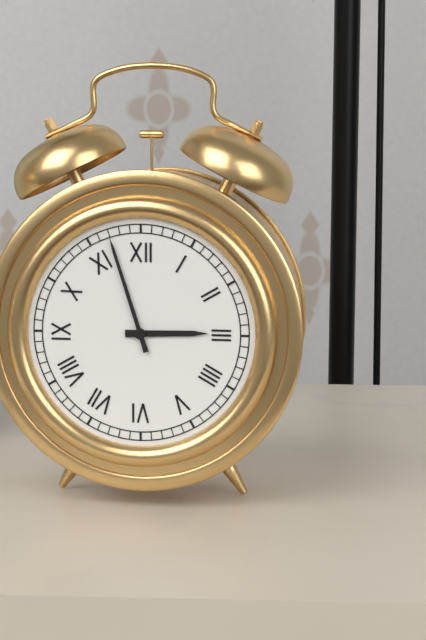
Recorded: 2h57
